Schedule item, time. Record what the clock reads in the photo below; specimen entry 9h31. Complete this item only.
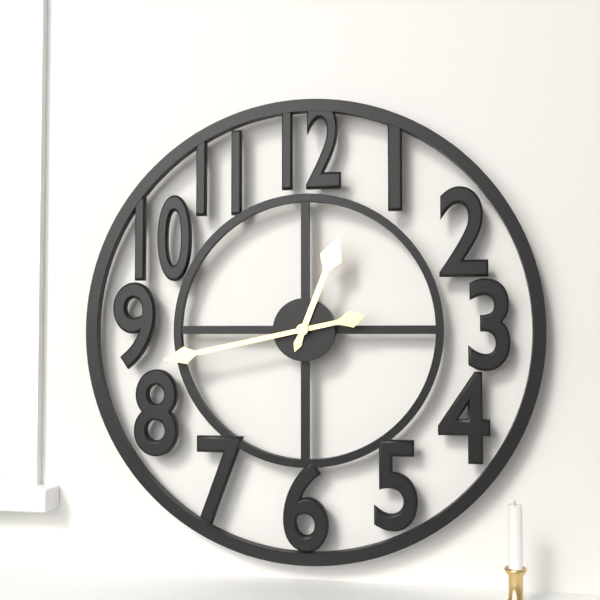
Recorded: 12h43
